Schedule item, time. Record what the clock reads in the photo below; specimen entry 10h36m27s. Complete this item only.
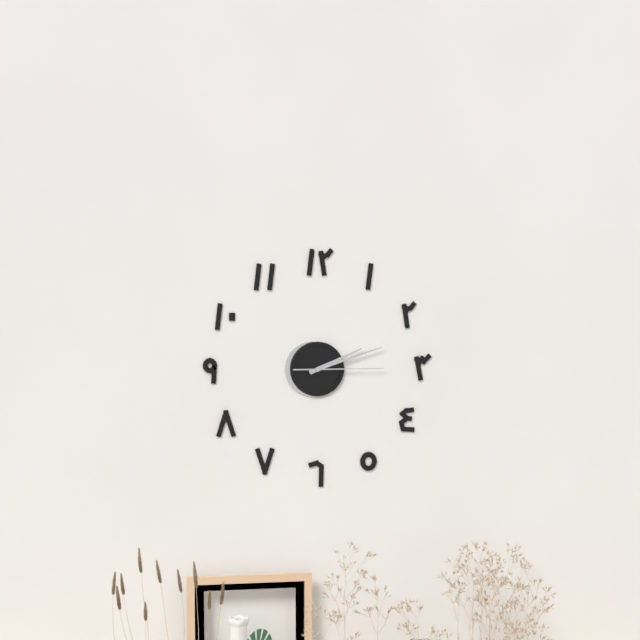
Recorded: 2h12m15s
